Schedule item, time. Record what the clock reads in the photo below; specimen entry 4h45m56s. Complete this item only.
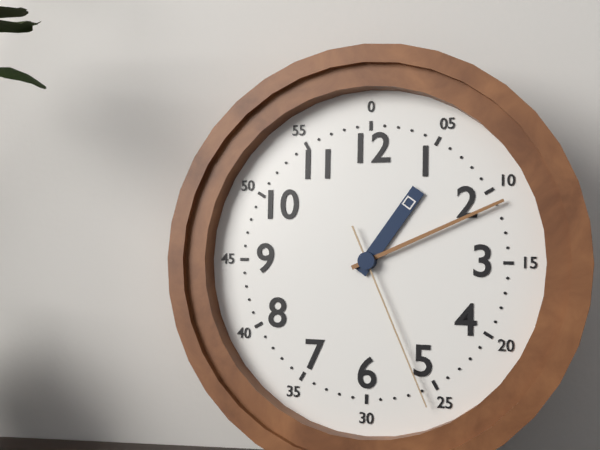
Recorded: 1h11m26s
